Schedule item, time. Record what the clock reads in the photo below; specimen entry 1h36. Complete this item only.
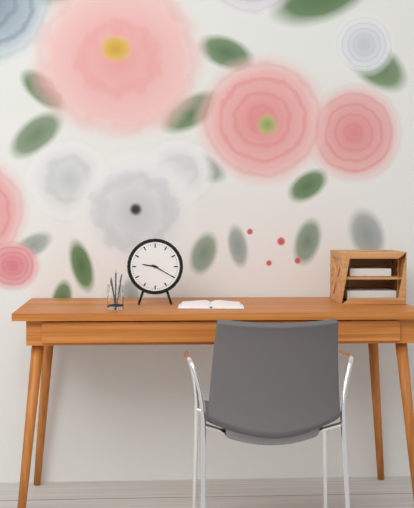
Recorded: 9h20
